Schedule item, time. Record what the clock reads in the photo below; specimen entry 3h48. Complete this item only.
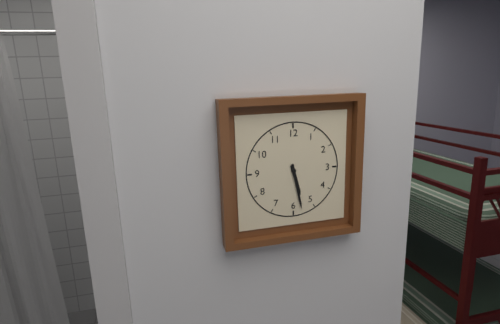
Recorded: 5h28
